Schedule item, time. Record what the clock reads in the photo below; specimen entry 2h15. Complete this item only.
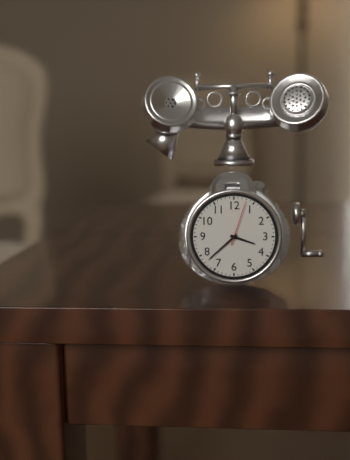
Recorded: 3h38
